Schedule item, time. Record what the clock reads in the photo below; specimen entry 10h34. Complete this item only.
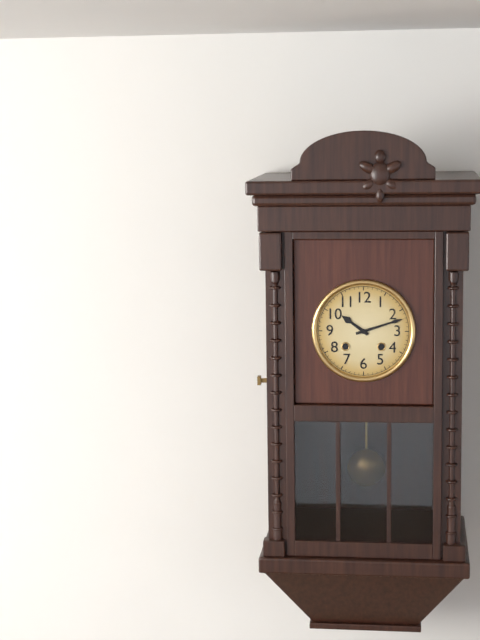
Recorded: 10h12
